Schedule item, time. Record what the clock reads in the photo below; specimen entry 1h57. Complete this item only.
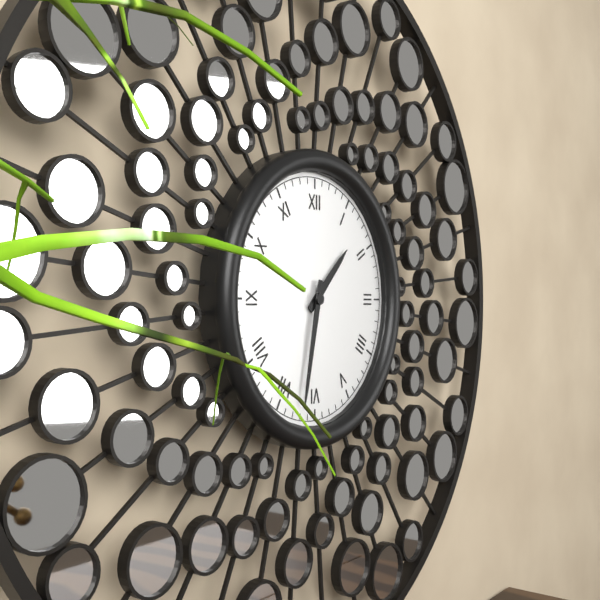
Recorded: 1h32
